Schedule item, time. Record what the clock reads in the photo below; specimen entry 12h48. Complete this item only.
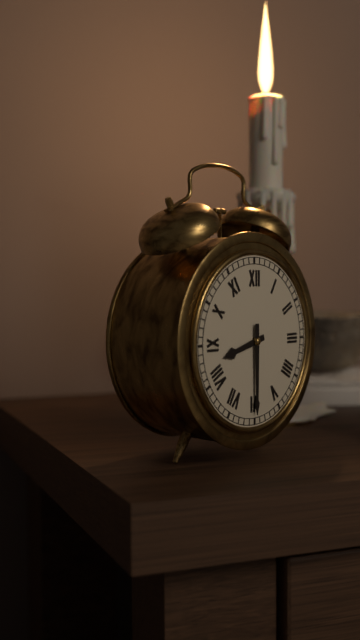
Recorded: 8h30
